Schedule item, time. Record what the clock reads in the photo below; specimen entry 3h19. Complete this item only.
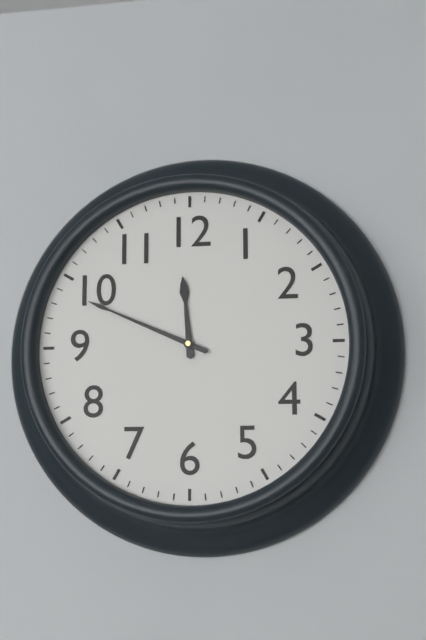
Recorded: 11h49
